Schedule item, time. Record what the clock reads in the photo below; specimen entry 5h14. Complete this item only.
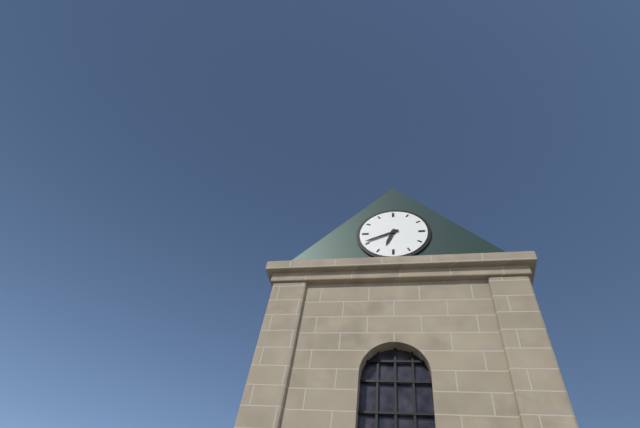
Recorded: 6h41
